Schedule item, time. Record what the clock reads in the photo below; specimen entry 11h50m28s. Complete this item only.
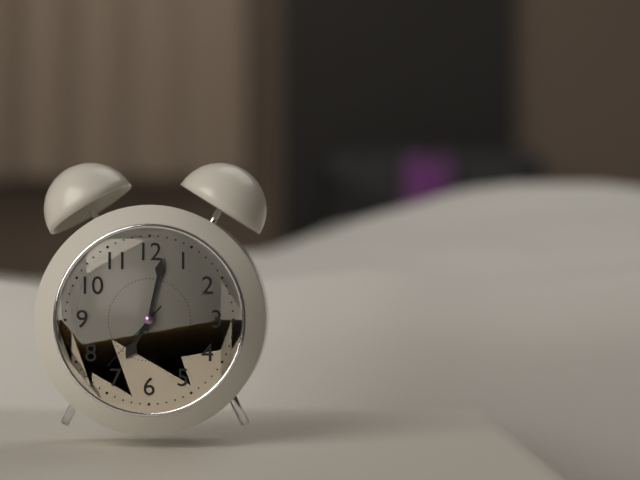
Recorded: 7h02m37s
